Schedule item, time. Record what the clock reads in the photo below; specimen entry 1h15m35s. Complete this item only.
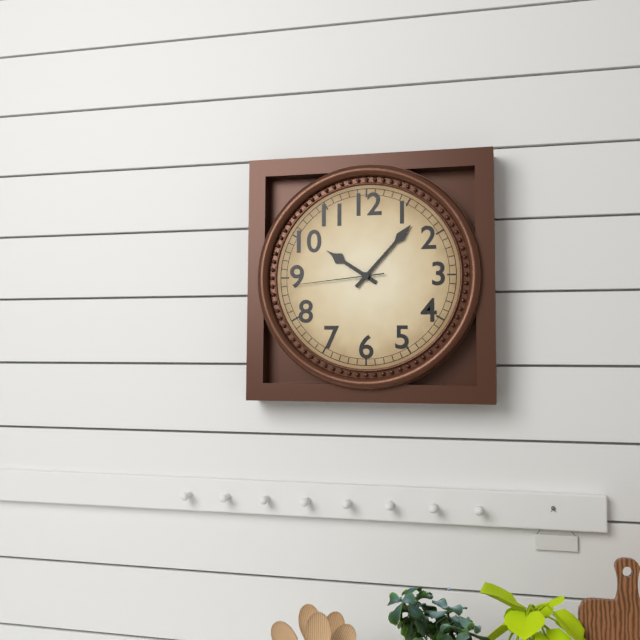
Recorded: 10h07m44s
